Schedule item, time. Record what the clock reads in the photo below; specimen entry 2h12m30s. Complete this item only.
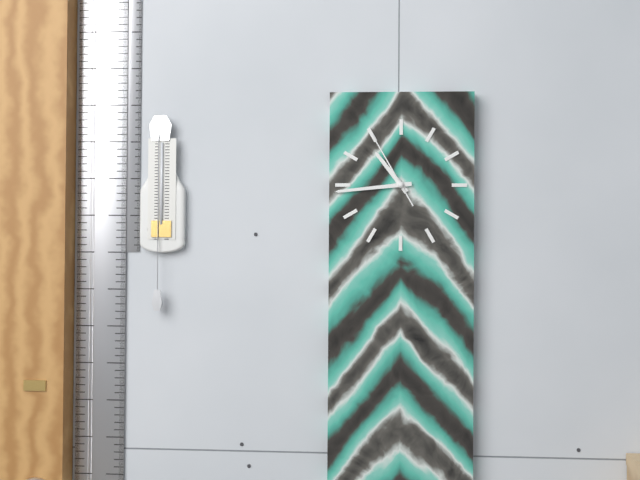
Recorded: 10h44m55s
